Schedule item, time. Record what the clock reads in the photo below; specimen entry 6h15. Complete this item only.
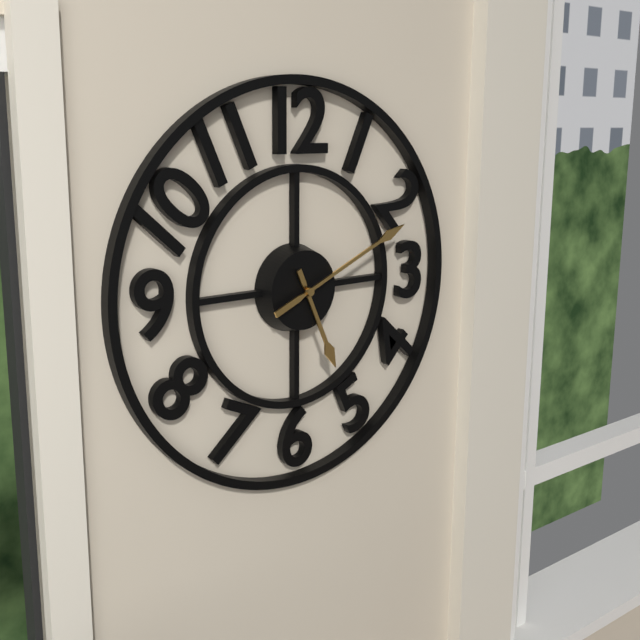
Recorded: 5h11
